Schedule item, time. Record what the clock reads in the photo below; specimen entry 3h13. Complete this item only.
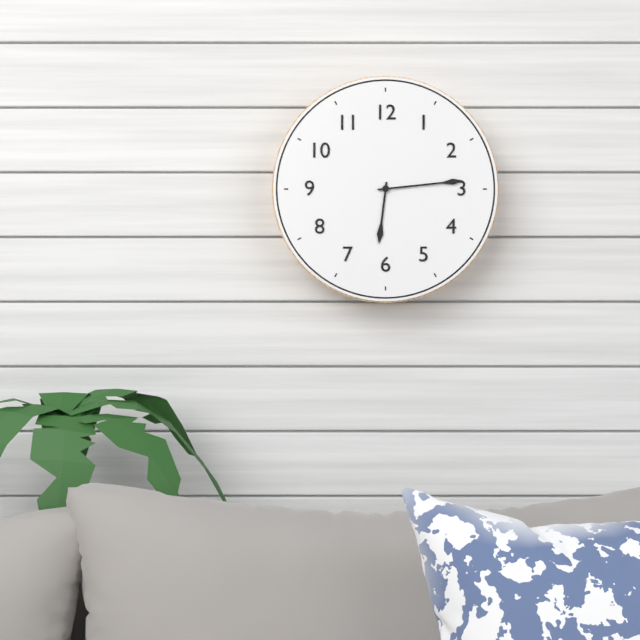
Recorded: 6h14
